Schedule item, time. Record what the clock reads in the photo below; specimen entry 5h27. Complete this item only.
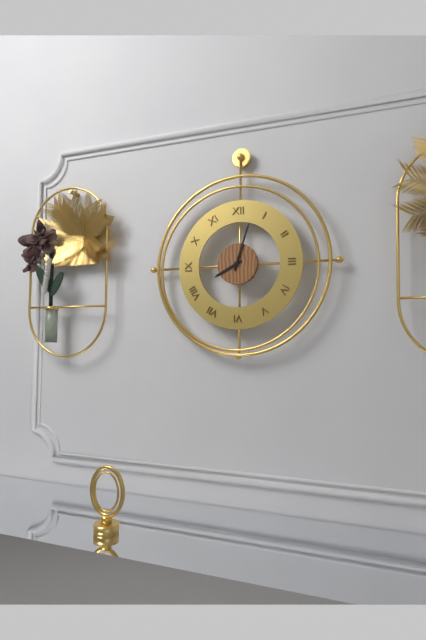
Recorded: 8h03
